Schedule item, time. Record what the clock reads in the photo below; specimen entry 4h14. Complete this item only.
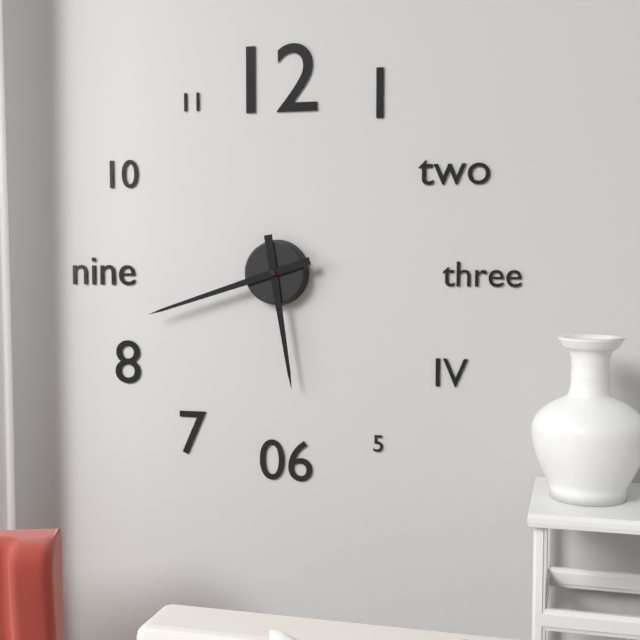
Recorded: 5h42
